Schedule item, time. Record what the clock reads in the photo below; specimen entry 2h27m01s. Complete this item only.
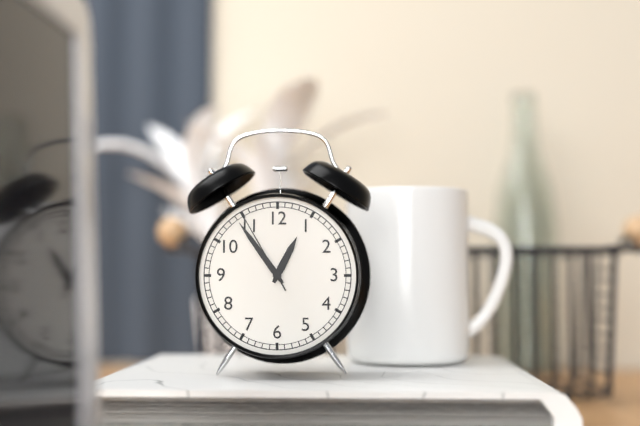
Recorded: 12h54m55s
